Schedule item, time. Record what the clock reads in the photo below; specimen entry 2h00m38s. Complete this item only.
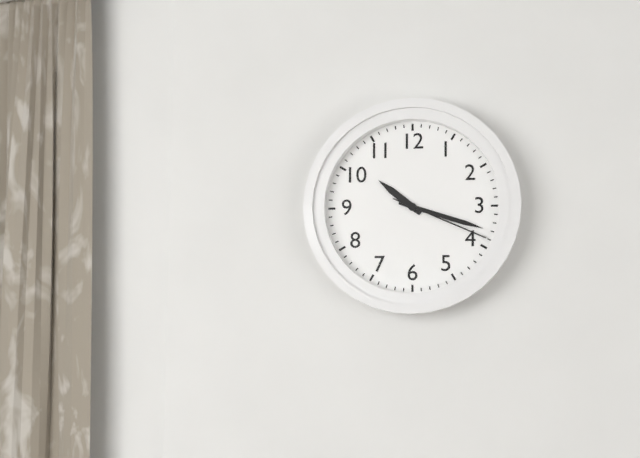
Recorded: 10h18m19s
